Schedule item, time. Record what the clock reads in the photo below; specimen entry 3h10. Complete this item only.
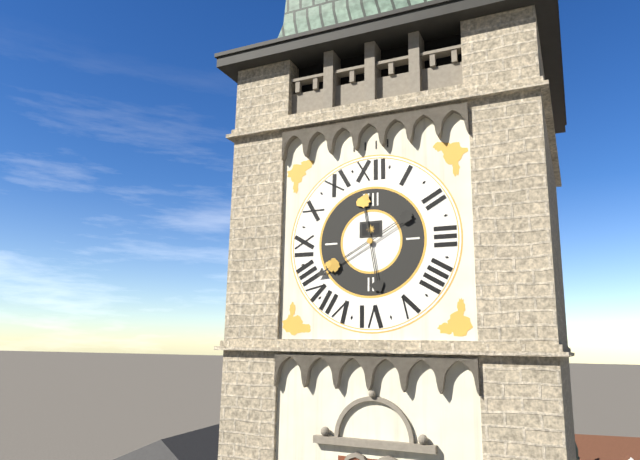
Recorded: 11h40
